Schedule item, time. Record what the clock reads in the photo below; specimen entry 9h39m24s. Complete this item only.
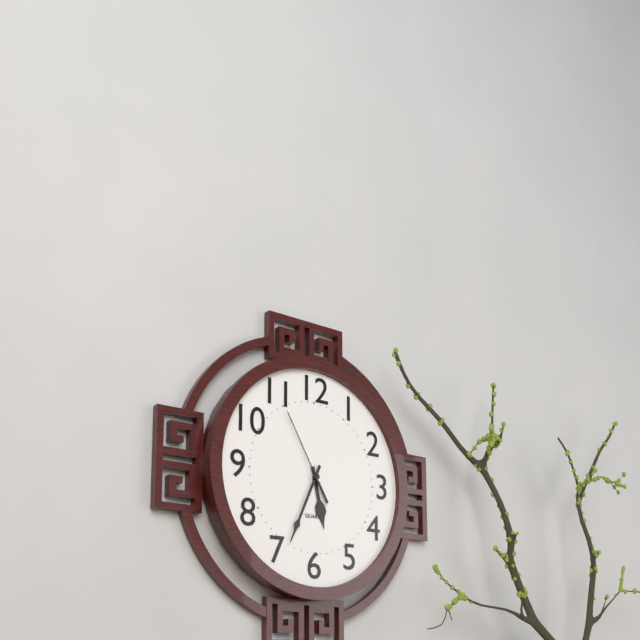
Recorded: 5h34m55s
